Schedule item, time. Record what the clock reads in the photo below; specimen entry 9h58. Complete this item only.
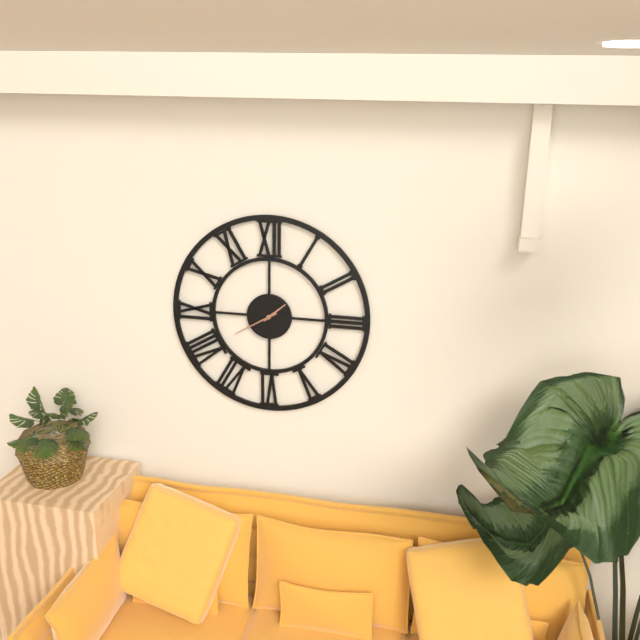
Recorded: 1h40
